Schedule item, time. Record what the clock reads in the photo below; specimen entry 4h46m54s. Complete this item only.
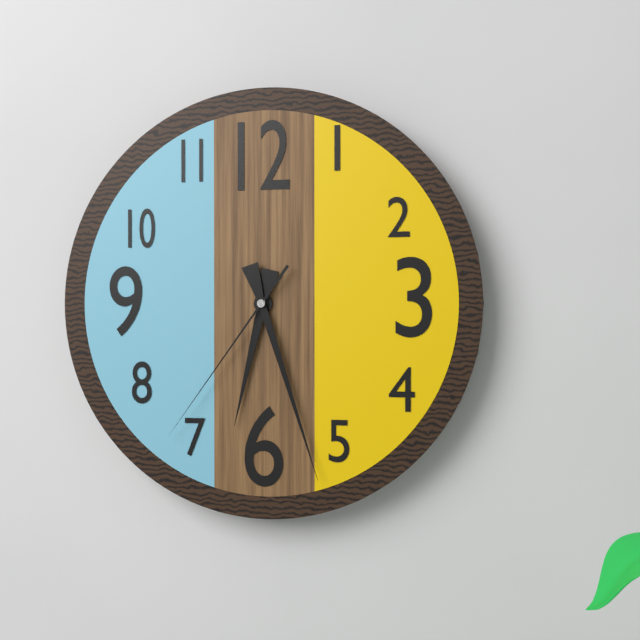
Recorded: 6h27m36s
